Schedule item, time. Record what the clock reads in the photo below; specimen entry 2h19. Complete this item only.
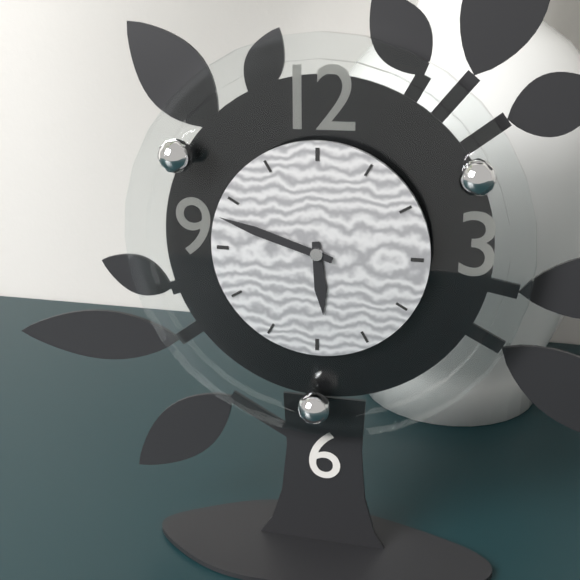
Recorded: 5h48
